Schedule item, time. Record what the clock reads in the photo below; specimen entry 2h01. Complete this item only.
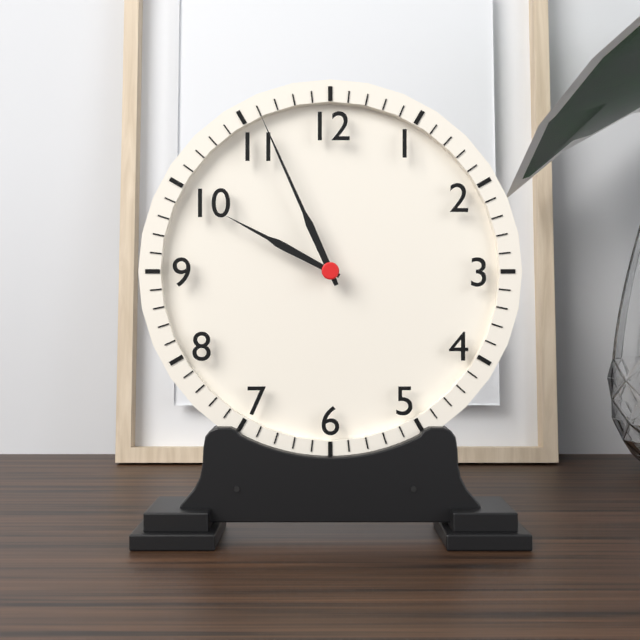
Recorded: 9h56
